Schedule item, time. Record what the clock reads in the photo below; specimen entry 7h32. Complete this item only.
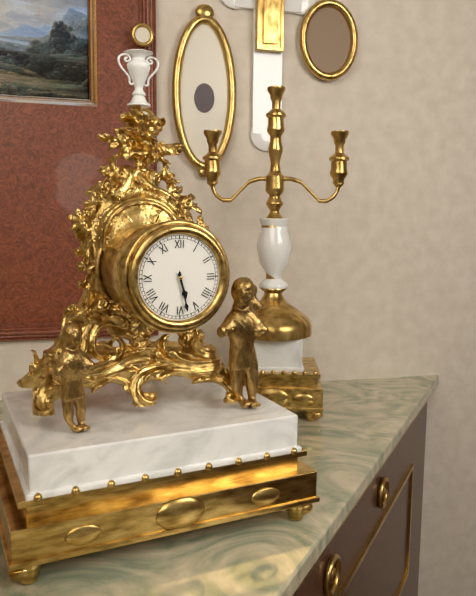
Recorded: 5h28
